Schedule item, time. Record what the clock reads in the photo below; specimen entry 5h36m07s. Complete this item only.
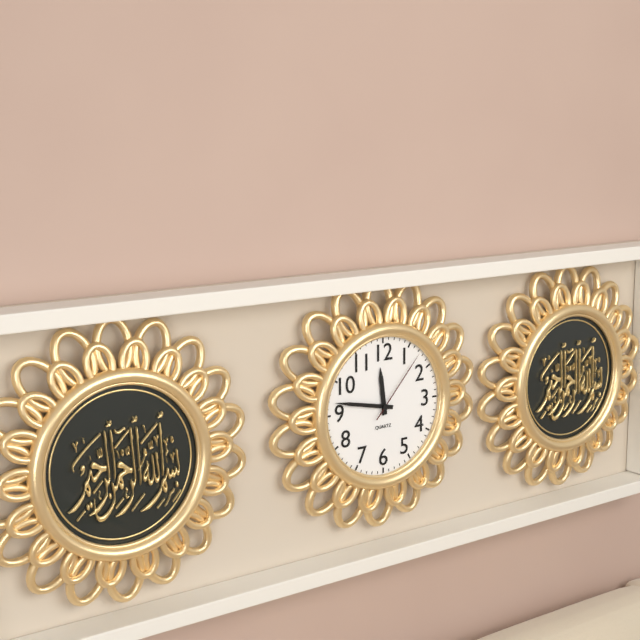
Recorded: 11h47m07s
